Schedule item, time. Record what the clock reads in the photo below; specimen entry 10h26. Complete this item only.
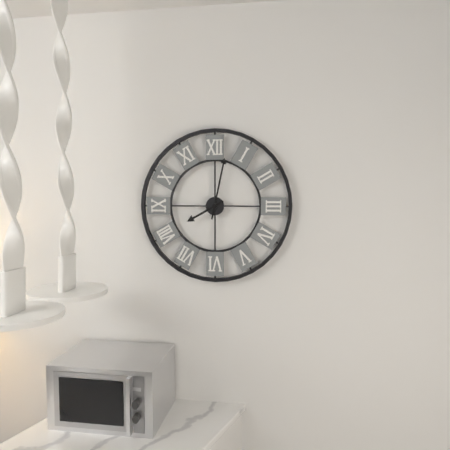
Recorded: 8h02
